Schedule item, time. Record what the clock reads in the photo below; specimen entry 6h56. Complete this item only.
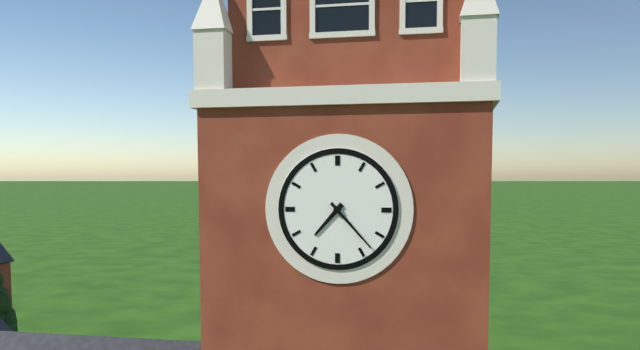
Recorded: 7h23
